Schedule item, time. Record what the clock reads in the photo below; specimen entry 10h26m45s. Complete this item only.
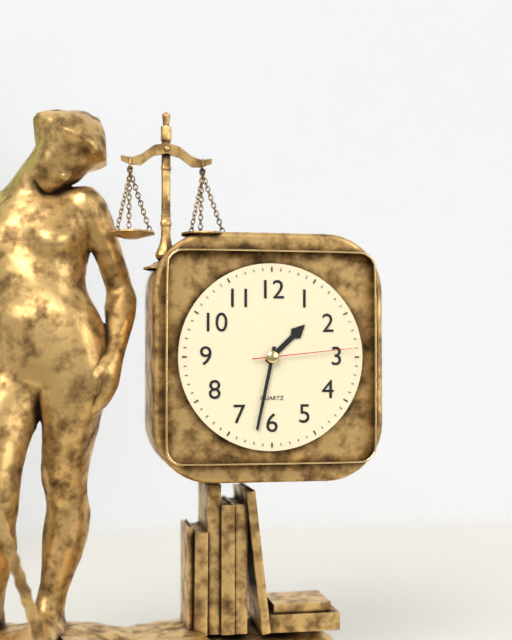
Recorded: 1h32m14s
